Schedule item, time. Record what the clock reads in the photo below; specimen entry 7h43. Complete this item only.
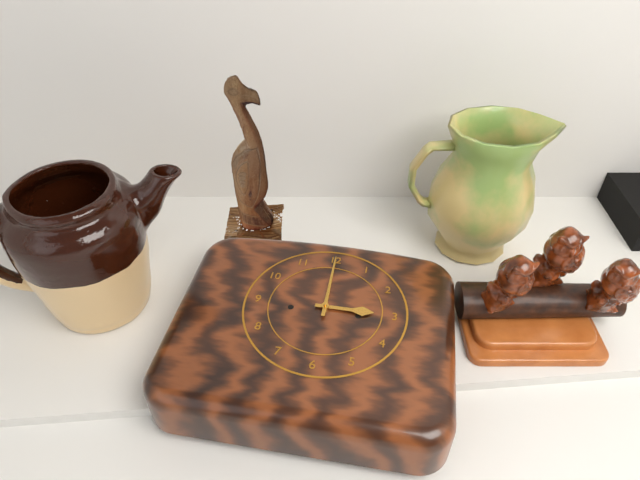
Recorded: 3h00
